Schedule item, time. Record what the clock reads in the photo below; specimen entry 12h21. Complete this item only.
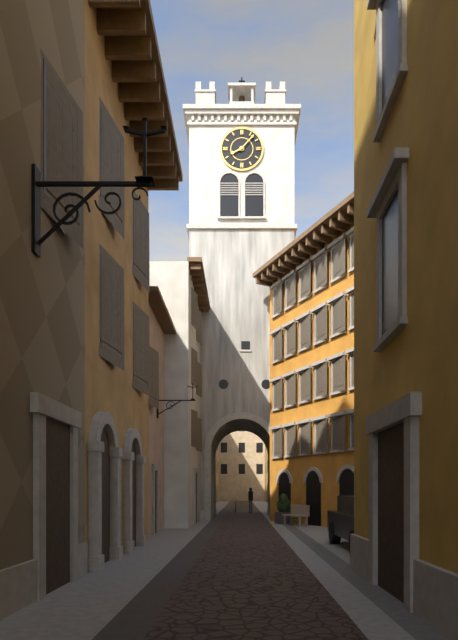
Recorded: 8h07
